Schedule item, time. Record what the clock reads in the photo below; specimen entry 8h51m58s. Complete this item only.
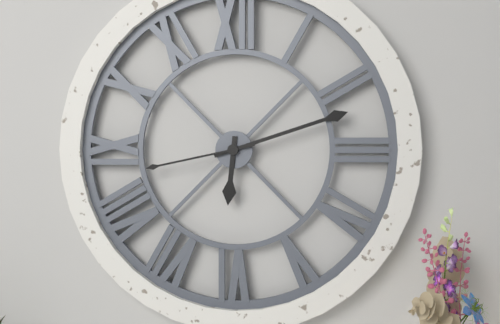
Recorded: 6h12m43s
